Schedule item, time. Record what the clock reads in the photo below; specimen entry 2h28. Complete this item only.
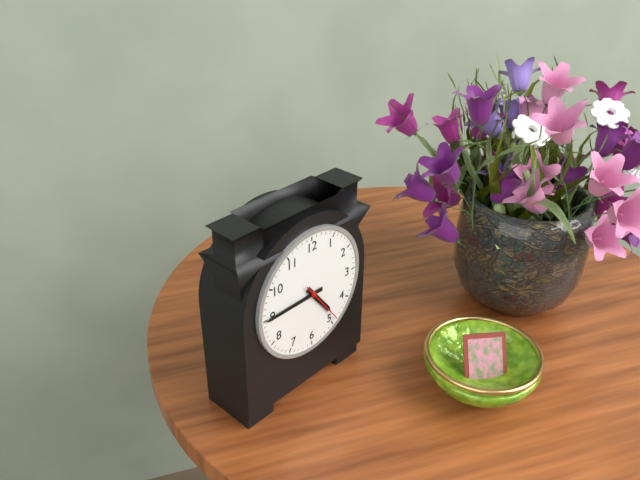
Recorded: 4h45
